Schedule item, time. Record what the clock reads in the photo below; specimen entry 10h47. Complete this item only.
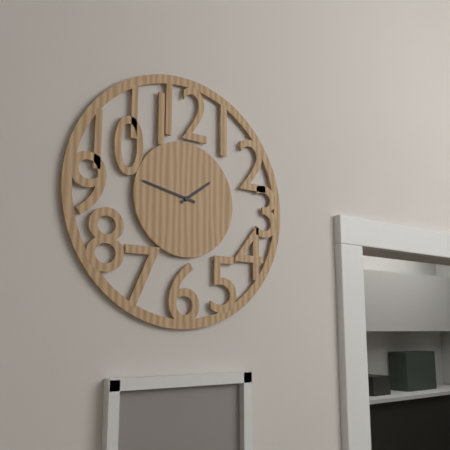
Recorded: 1h47
